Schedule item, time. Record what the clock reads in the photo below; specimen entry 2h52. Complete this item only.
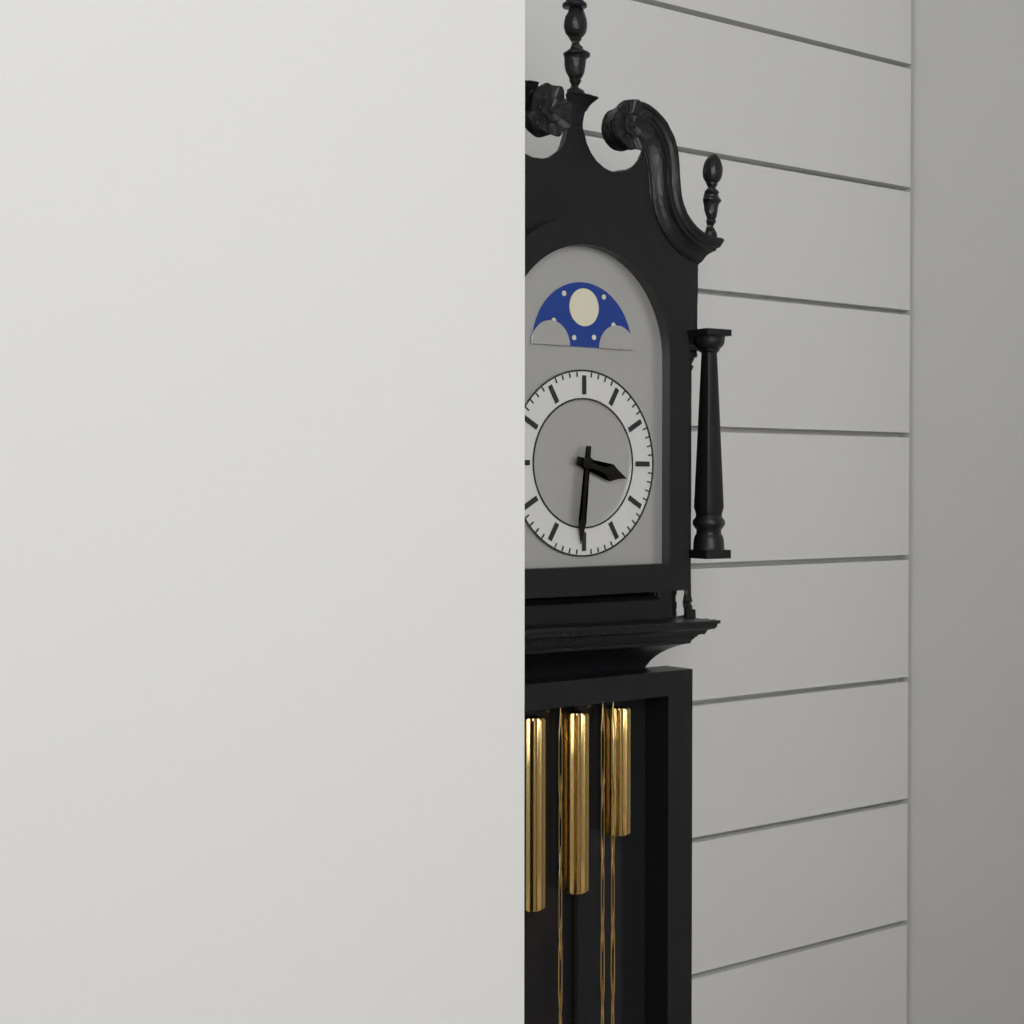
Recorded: 3h31
